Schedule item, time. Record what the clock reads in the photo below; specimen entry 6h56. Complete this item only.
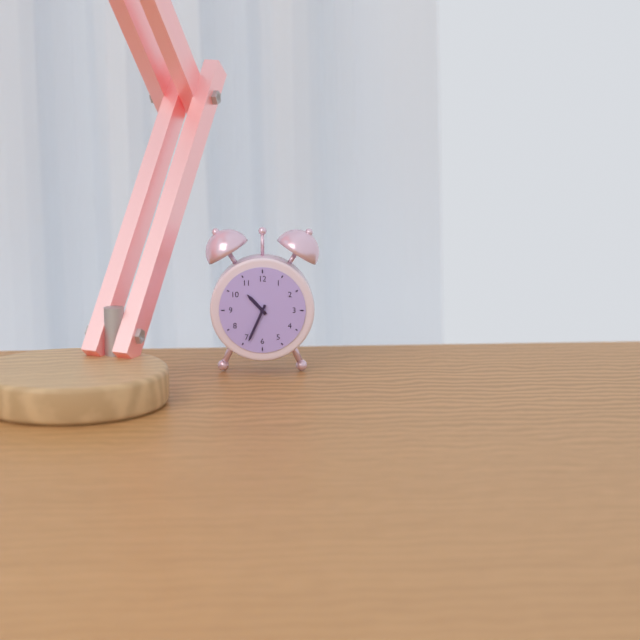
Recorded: 10h34
